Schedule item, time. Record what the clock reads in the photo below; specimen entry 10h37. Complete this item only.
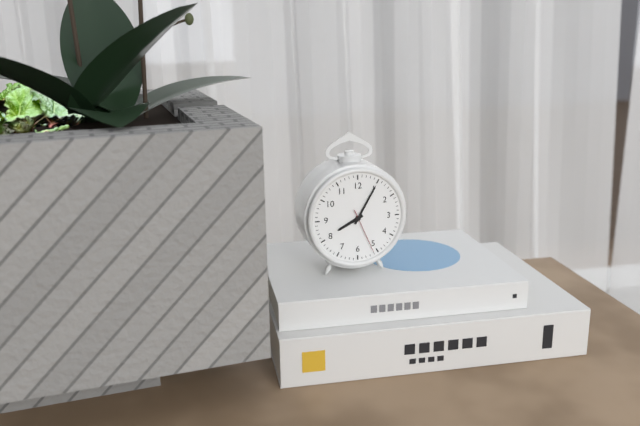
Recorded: 8h05
